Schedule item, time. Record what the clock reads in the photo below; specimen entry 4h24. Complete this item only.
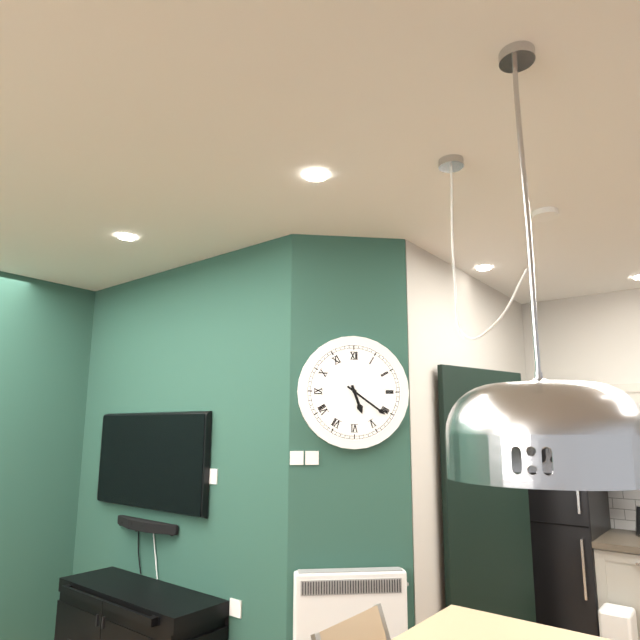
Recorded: 5h21
